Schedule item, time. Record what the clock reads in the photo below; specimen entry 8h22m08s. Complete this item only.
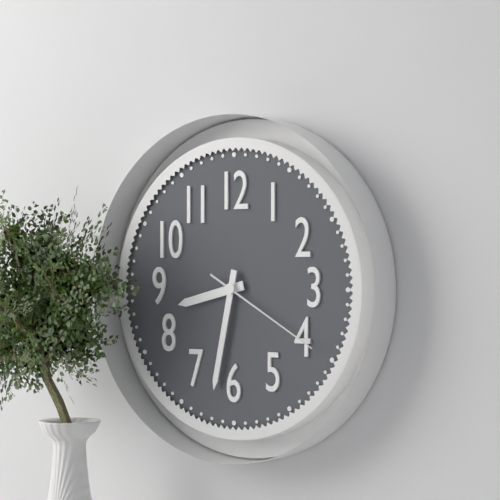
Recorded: 8h32m20s
